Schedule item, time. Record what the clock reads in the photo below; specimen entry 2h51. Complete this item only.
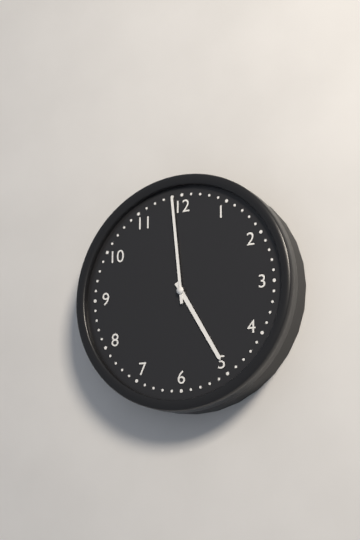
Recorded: 4h59
